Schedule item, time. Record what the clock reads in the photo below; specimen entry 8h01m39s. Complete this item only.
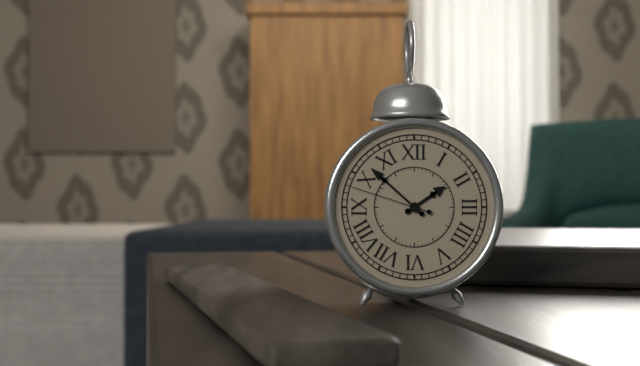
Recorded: 1h52m48s
